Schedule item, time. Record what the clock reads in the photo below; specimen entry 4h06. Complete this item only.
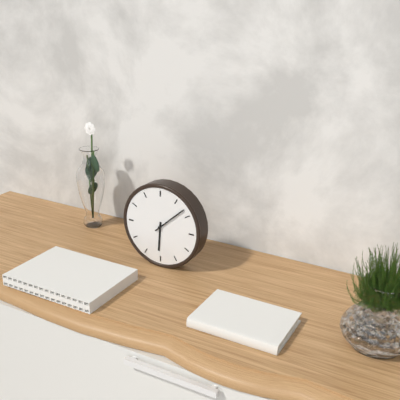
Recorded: 6h08
